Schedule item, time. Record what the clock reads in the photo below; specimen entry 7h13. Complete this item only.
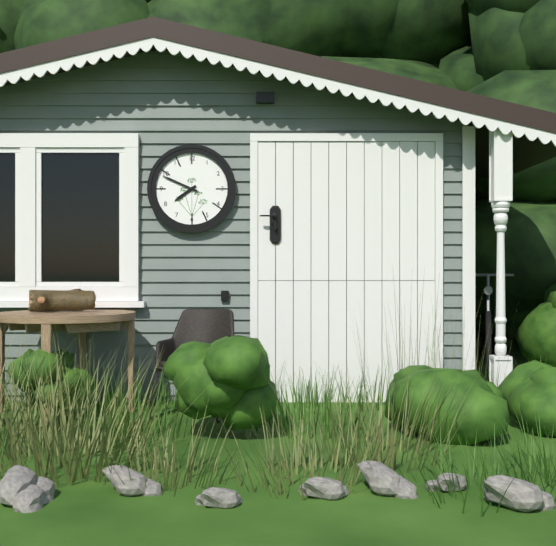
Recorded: 7h49
